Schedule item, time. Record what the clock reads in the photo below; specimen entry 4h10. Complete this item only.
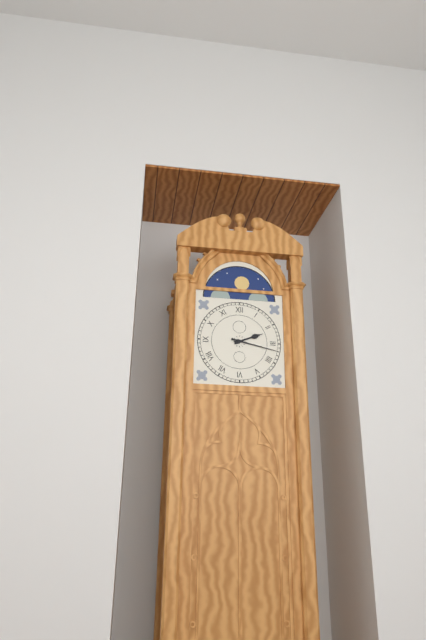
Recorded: 2h17
